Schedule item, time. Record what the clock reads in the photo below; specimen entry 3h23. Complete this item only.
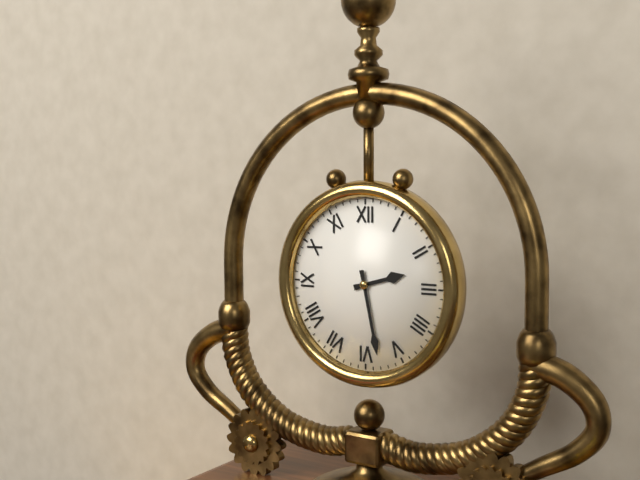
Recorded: 2h28
